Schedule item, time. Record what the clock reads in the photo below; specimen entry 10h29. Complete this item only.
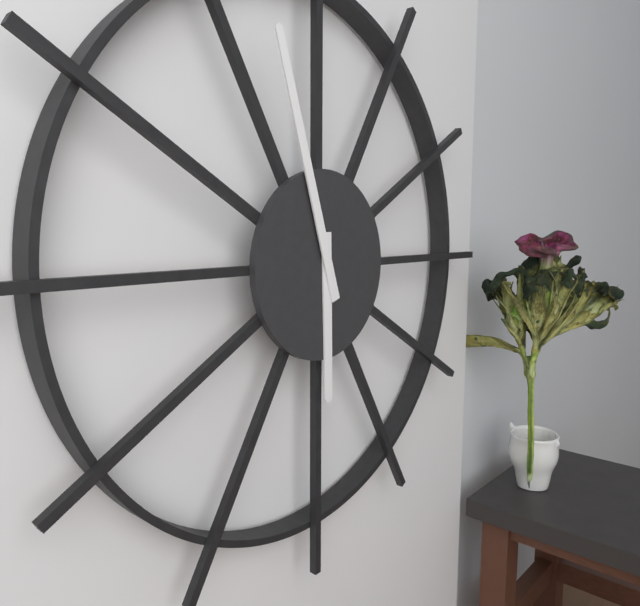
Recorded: 5h57
